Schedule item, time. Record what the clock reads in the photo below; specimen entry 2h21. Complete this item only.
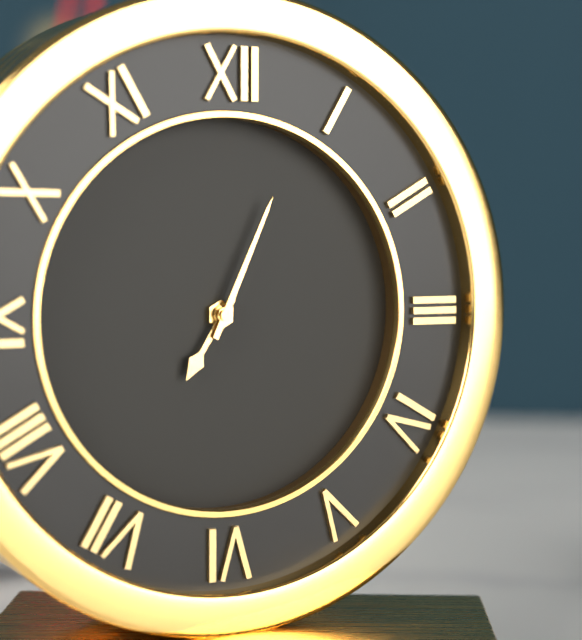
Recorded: 7h04
